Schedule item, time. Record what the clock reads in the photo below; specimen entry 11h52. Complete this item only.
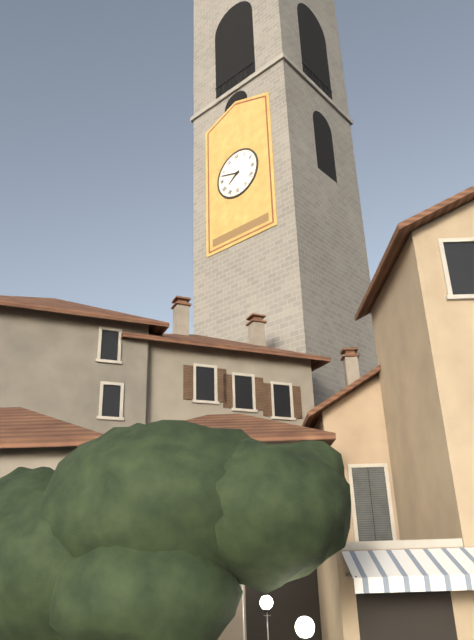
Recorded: 7h48
